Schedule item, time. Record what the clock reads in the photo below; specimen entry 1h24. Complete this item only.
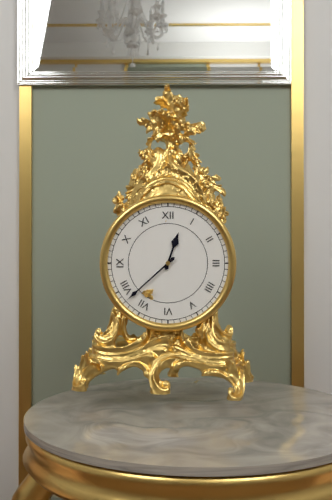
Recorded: 12h38
